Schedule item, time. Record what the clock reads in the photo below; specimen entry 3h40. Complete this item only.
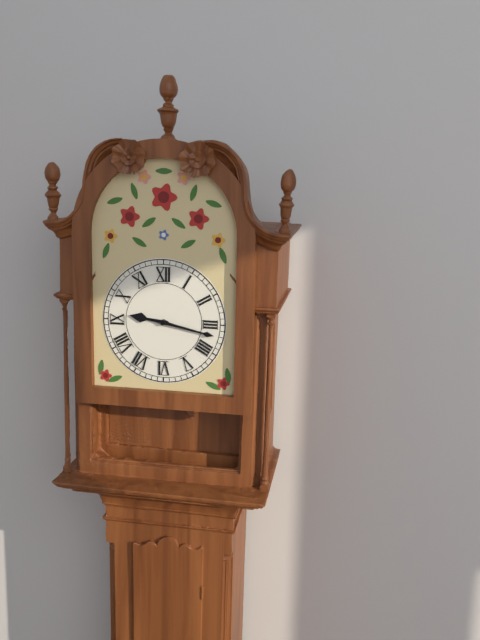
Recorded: 9h17
